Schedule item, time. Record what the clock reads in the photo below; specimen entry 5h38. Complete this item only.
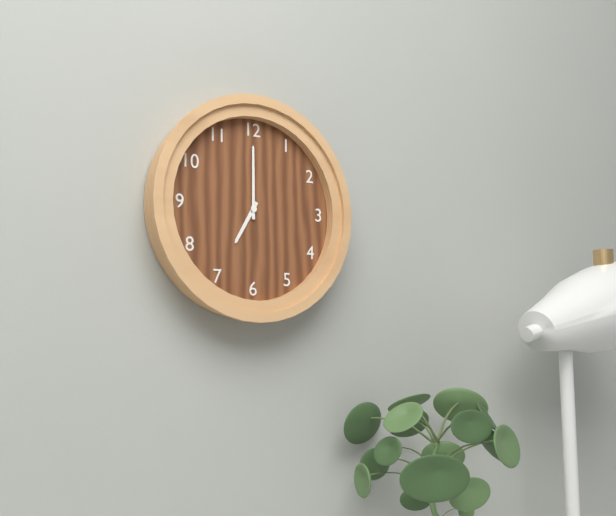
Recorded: 7h00
